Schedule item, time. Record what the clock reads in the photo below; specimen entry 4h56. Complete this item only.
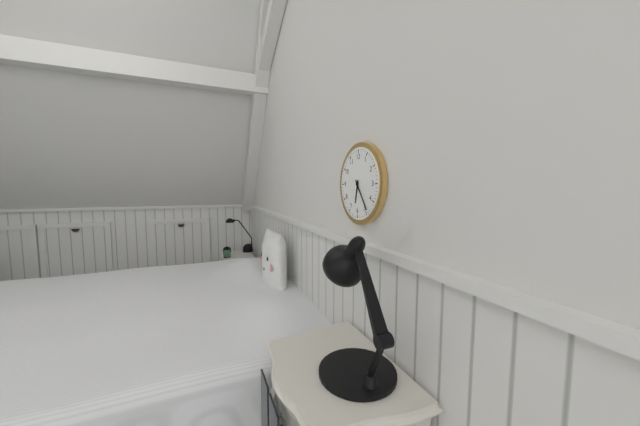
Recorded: 6h24
